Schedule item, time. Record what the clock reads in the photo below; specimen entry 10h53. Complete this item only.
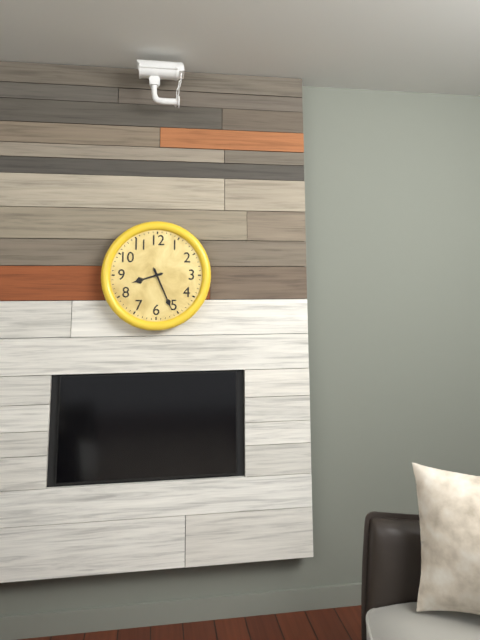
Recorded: 8h26
